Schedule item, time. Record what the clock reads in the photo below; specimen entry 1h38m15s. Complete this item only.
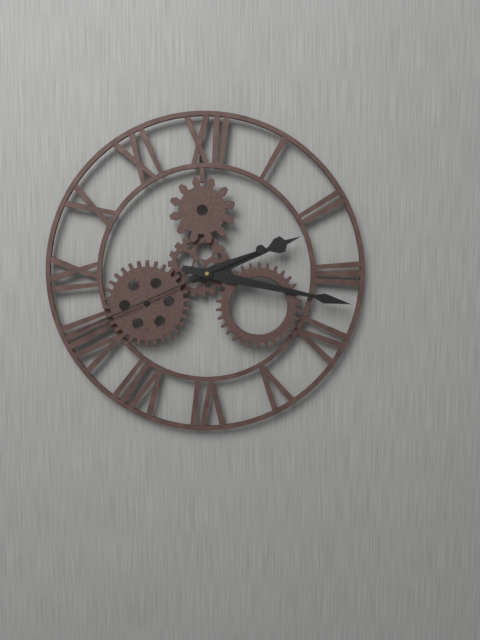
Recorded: 2h17m41s
